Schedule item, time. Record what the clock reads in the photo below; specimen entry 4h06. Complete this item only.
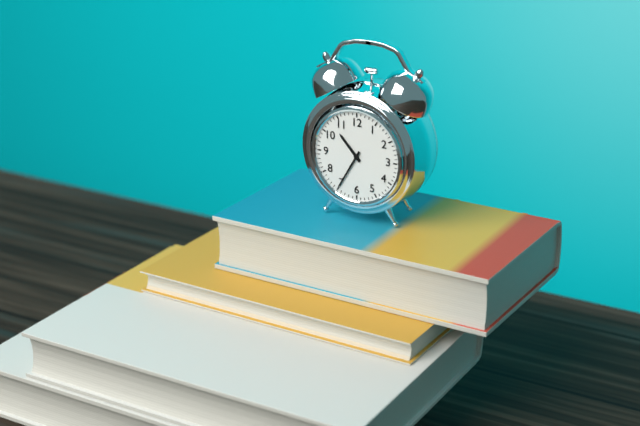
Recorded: 10h35
